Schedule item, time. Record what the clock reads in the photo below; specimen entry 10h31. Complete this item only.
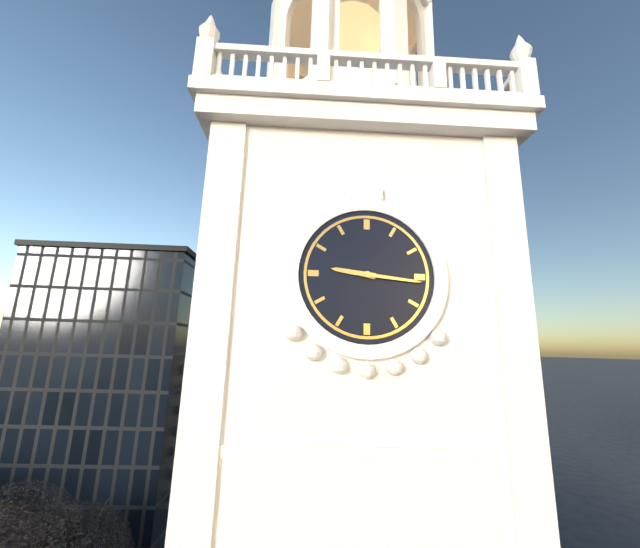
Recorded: 9h16
